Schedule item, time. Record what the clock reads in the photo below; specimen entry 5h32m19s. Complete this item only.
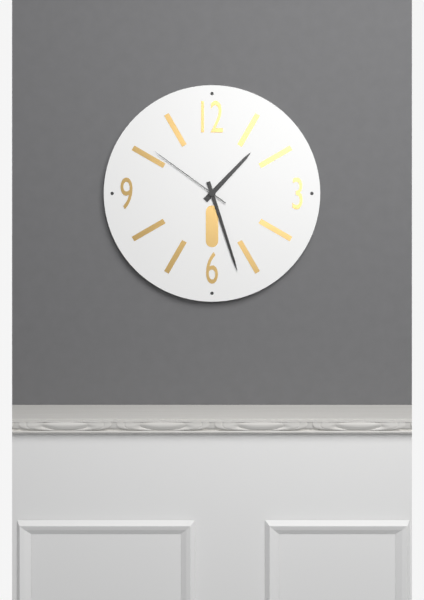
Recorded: 1h27m51s
